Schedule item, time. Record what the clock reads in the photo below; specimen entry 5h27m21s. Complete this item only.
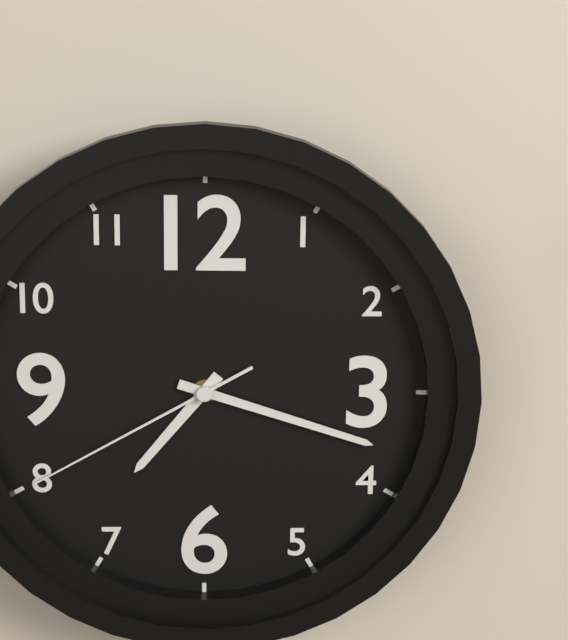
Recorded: 7h18m40s
